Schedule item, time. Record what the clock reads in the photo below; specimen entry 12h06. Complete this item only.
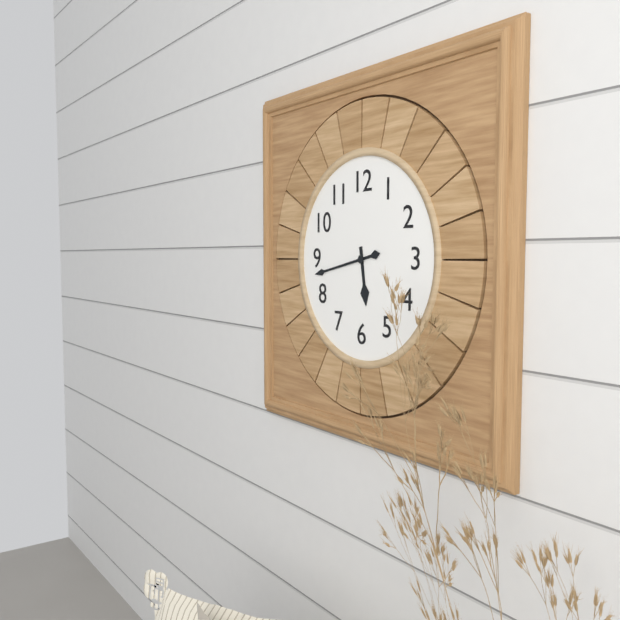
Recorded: 5h43
